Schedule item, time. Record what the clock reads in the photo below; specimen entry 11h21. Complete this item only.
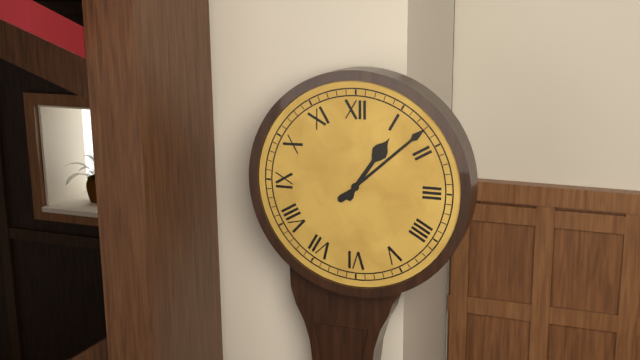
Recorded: 1h08
